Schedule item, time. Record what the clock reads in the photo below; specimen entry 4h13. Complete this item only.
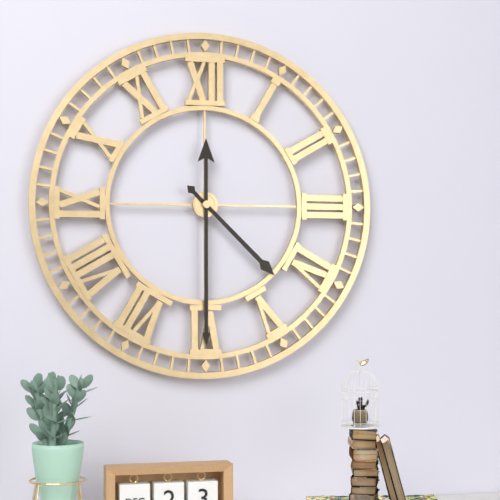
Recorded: 4h30
